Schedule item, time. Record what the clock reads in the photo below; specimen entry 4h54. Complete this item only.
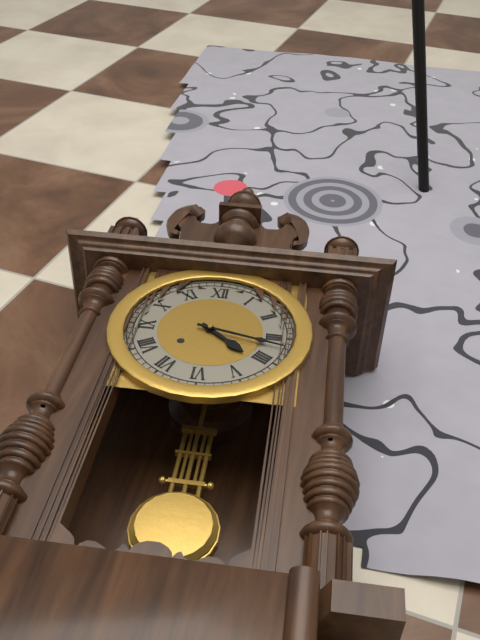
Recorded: 4h17
